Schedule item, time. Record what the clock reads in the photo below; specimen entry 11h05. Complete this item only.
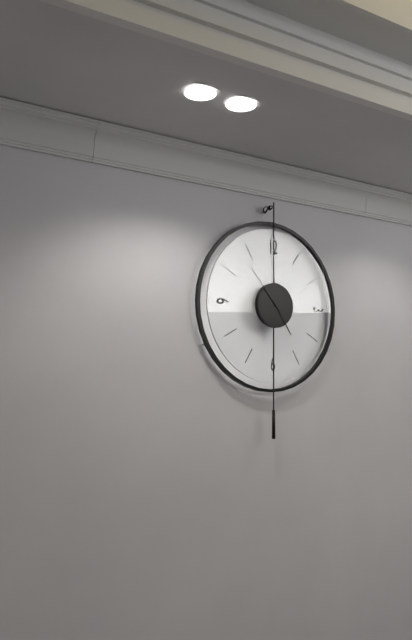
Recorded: 4h53
